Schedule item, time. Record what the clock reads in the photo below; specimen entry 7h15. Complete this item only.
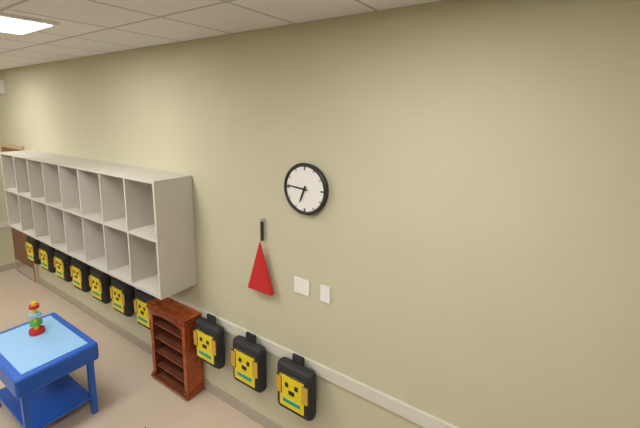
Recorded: 6h46
